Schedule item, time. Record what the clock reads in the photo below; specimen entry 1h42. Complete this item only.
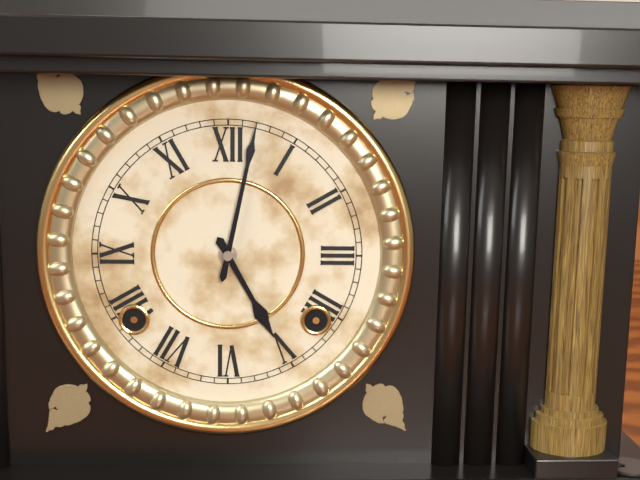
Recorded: 5h02
